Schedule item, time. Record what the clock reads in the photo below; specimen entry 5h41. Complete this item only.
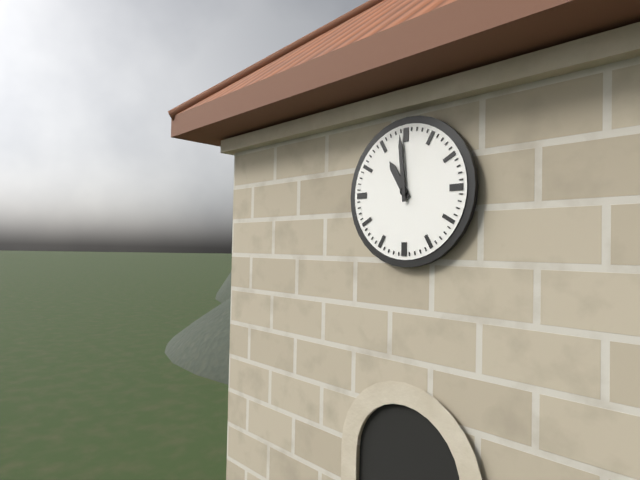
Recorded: 10h59
